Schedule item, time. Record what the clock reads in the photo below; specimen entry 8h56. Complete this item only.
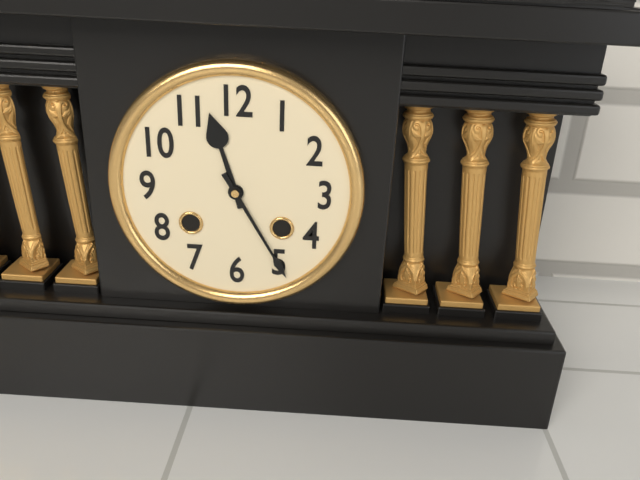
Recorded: 11h25
